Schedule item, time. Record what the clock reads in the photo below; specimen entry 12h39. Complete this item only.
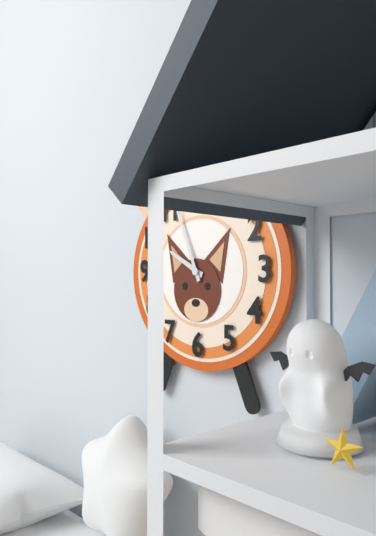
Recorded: 9h56
